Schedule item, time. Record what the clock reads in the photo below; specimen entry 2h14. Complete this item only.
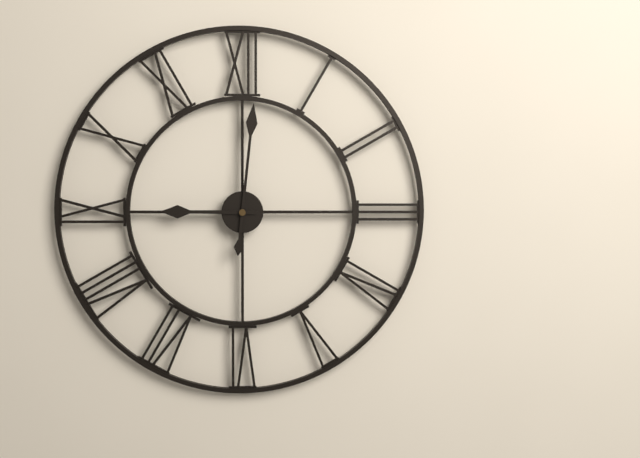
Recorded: 9h01
